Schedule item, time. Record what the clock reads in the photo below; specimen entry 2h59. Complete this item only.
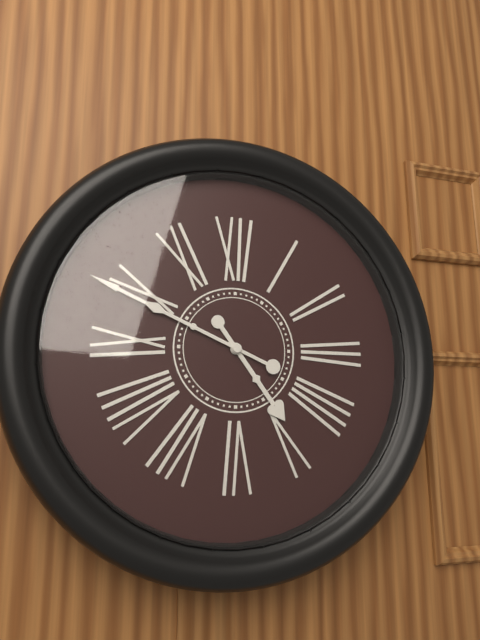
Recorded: 4h49
